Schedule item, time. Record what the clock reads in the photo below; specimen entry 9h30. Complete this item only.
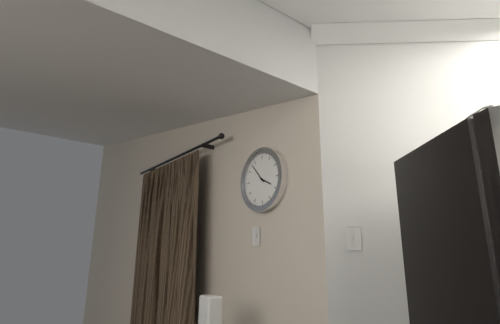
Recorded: 3h53
